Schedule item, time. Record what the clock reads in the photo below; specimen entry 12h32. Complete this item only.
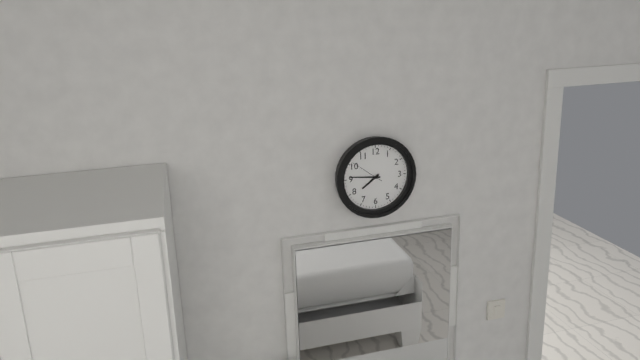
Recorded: 7h46
